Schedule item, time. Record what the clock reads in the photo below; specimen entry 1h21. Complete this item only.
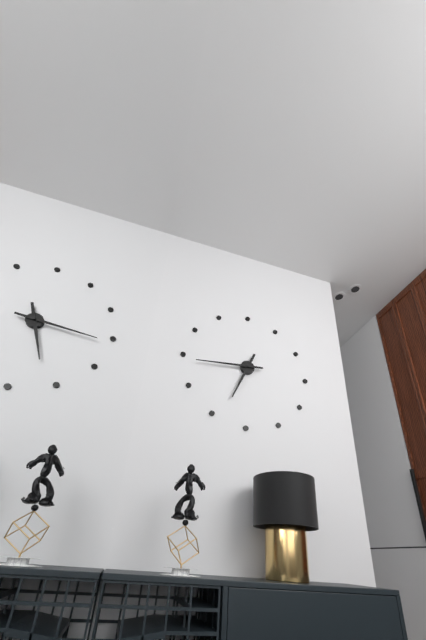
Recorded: 6h44
